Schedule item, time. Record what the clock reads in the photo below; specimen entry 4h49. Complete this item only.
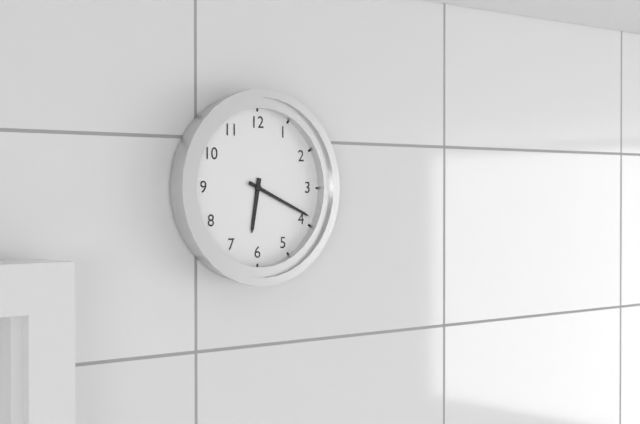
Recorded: 6h19
